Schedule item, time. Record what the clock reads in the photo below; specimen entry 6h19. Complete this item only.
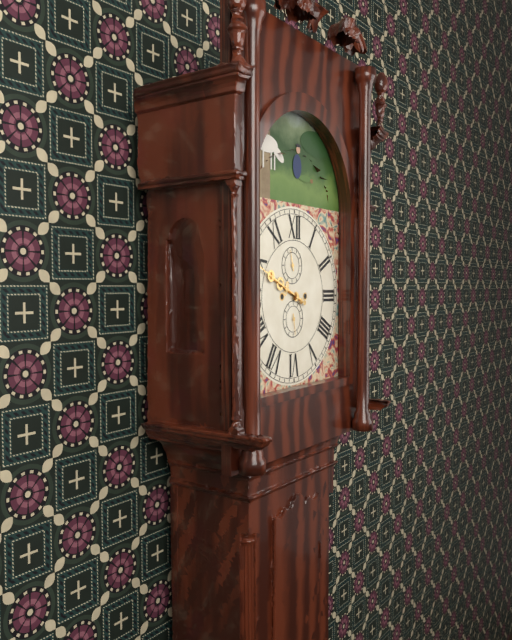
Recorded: 9h49
